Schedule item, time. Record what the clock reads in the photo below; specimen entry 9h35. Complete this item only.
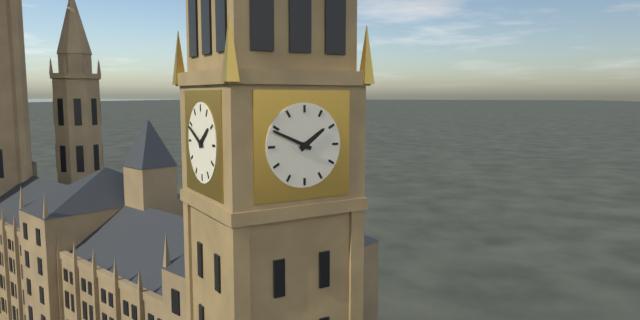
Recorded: 1h49
